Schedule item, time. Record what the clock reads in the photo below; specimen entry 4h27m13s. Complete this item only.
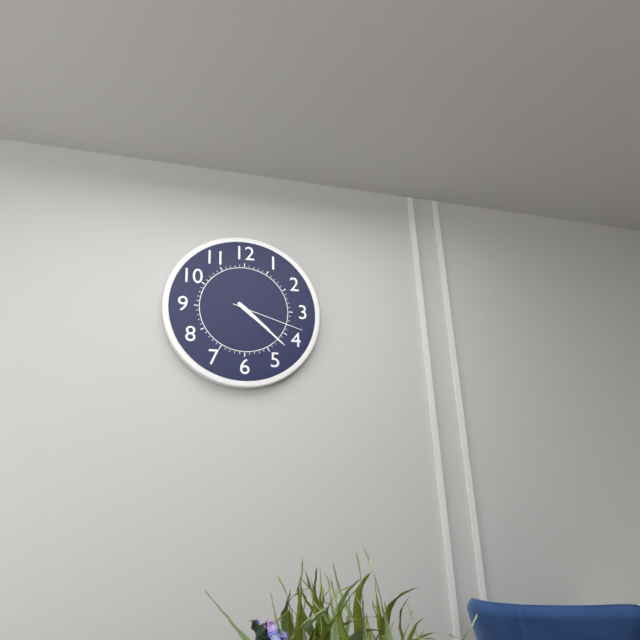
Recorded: 4h22m18s
